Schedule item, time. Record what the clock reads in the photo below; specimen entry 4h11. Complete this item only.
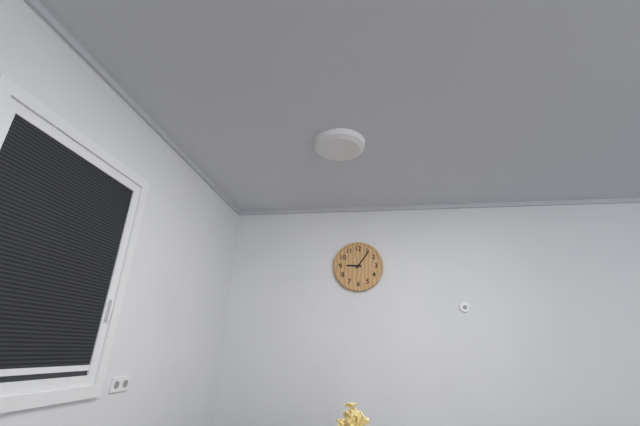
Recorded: 9h06
